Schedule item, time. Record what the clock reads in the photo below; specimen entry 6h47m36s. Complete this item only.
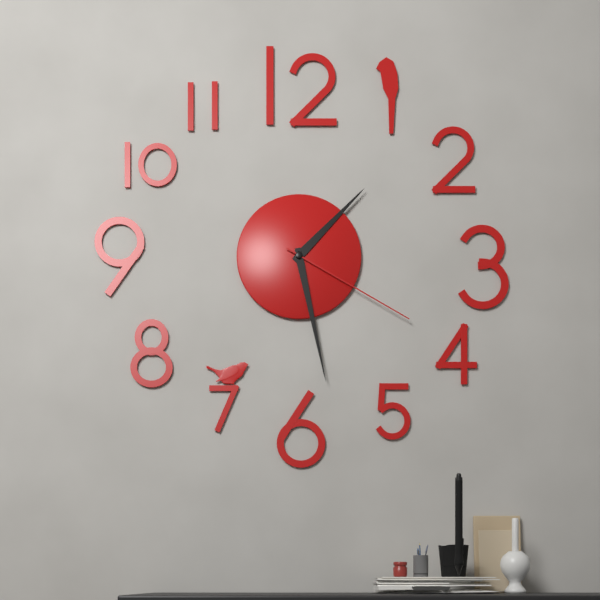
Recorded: 1h28m20s
